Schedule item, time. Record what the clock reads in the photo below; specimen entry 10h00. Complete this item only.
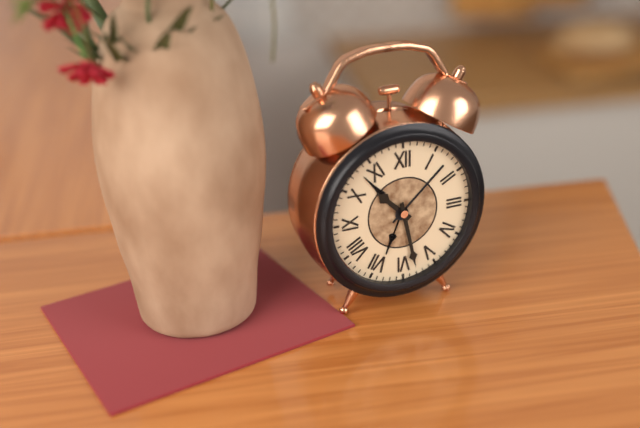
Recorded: 10h28
